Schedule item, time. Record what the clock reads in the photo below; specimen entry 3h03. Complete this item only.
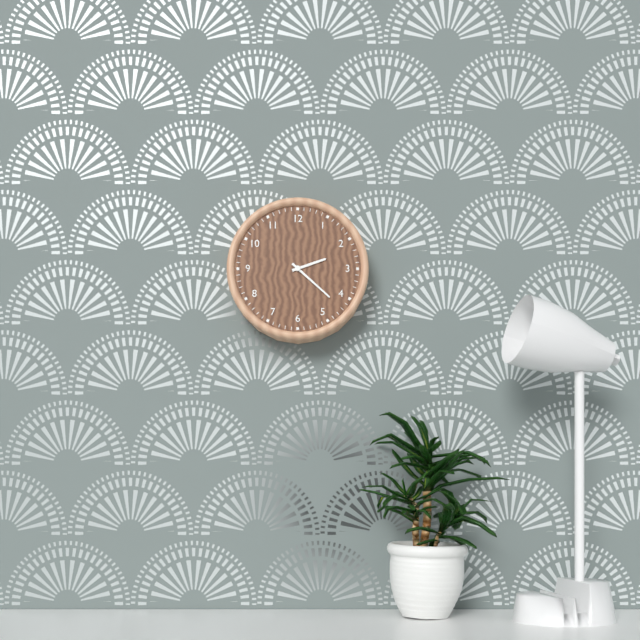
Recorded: 2h22
